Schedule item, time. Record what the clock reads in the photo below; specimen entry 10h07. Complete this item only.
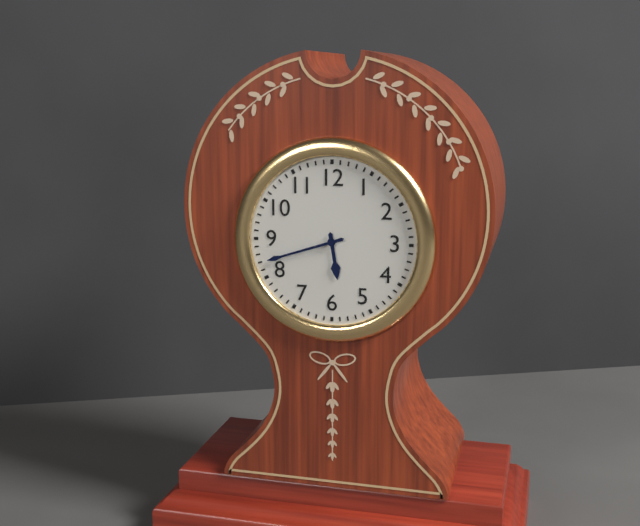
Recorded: 5h42
